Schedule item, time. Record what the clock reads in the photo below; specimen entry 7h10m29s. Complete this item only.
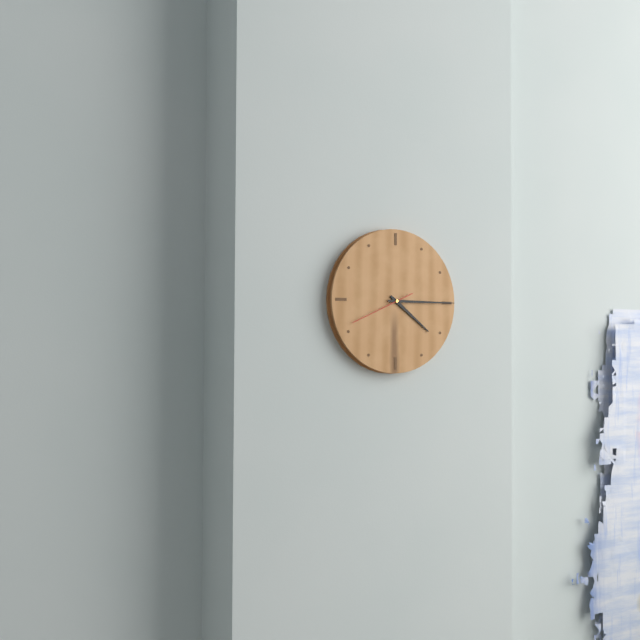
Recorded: 4h15m41s
